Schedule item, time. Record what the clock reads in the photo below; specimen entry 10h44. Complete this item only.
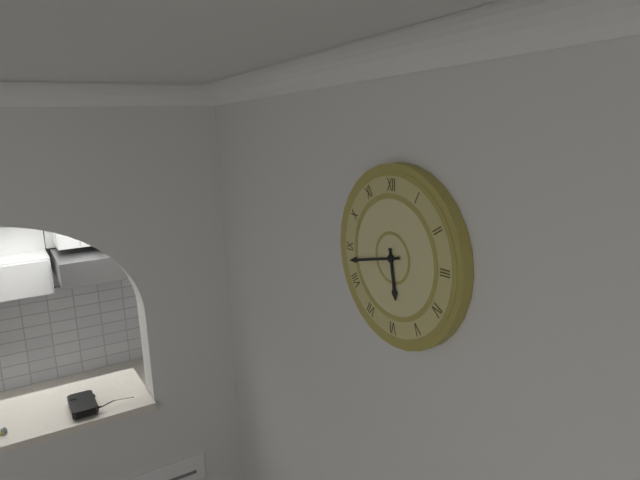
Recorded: 5h43
